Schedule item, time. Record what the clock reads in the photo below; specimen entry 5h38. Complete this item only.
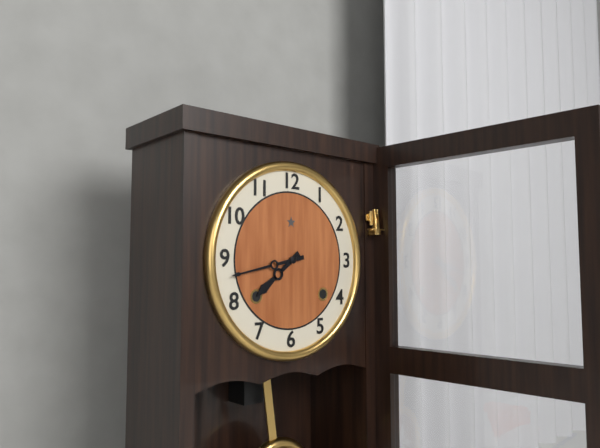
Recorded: 7h43
